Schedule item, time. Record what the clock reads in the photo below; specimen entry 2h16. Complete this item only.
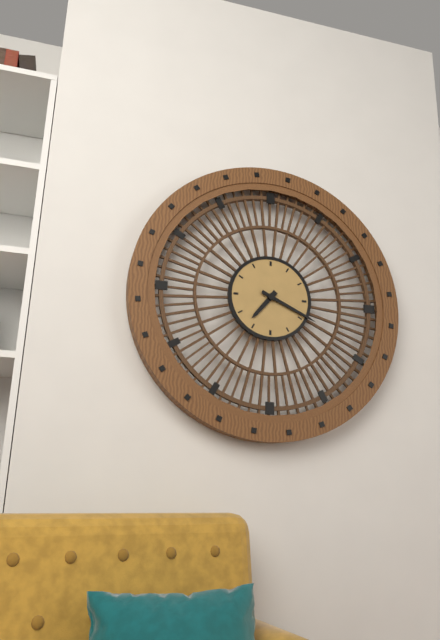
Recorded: 7h19
